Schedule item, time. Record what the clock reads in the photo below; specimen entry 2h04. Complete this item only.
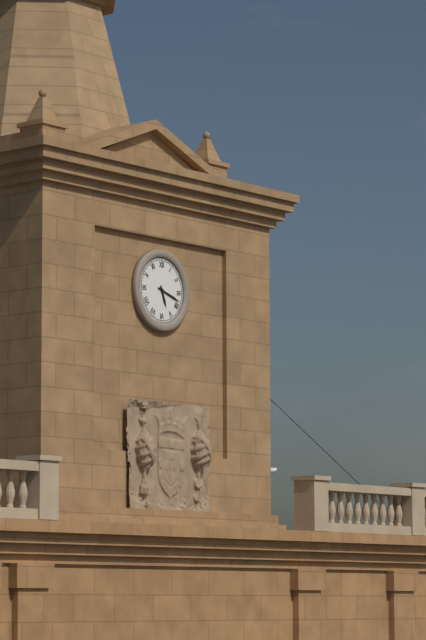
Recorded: 5h18
